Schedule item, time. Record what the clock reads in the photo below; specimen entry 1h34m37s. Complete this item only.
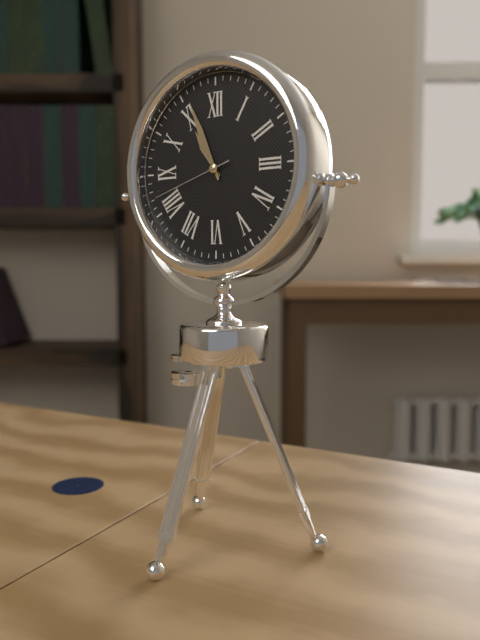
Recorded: 10h56m42s
